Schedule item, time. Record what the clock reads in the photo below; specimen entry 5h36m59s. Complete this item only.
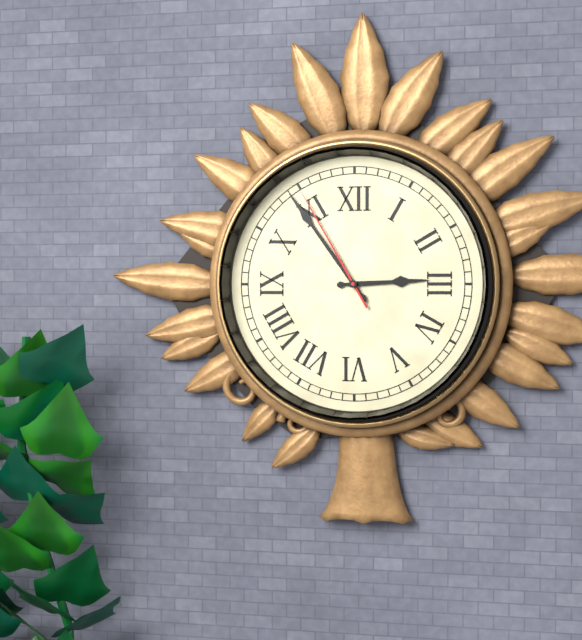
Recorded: 2h54m55s
